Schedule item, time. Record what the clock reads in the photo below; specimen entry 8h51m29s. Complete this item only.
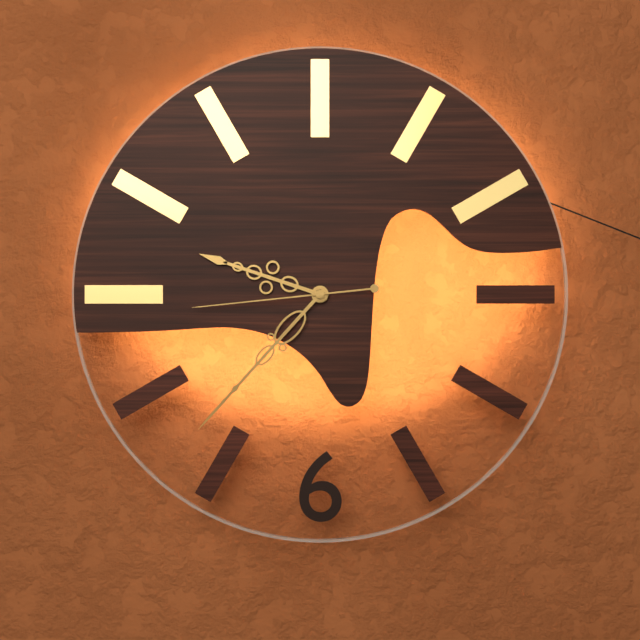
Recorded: 9h37m44s
